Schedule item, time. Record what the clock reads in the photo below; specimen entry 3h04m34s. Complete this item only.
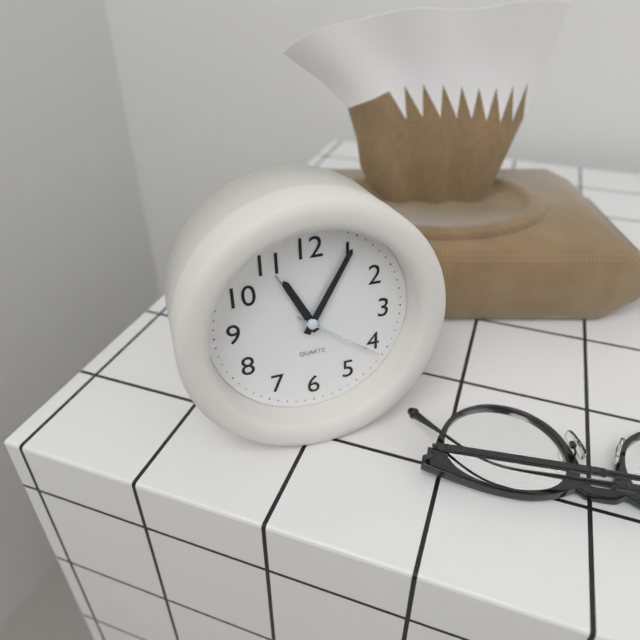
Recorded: 11h05m21s
